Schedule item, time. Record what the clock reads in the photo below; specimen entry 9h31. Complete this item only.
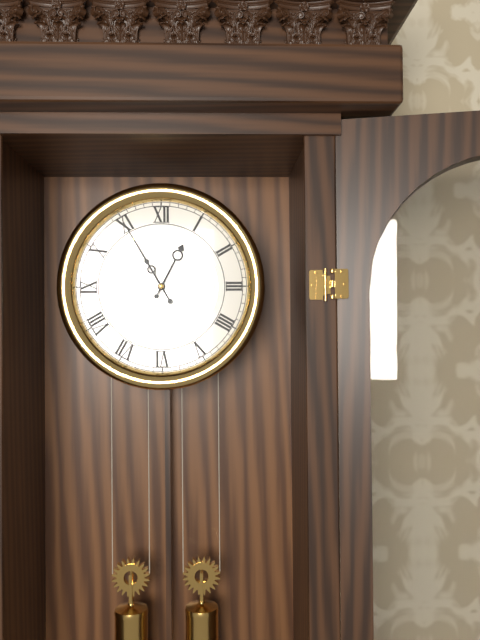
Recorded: 12h55
